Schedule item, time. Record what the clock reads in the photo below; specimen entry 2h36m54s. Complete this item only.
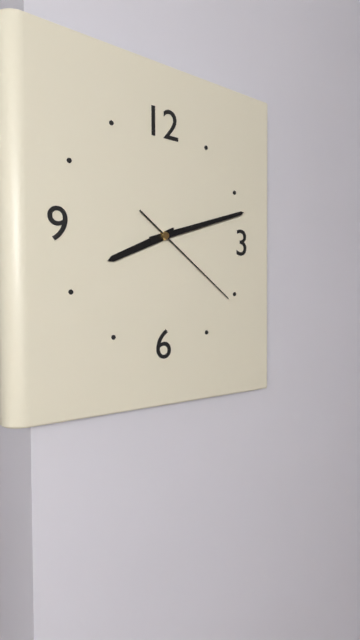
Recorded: 8h12m21s
